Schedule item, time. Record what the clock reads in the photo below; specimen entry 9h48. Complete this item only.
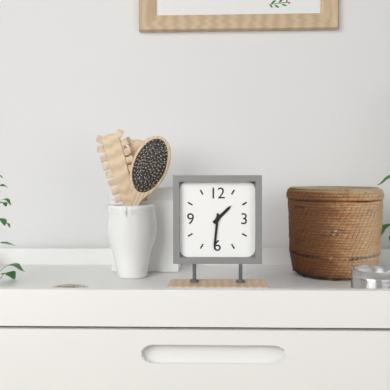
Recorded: 1h31
